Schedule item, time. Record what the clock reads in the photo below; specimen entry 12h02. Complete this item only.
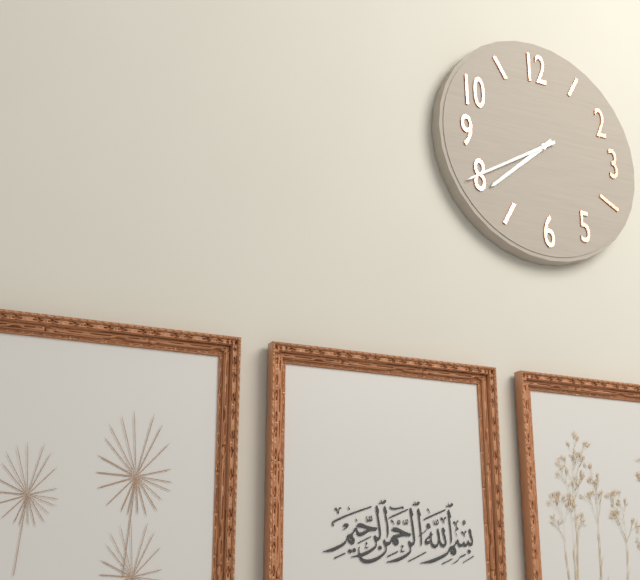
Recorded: 7h40
